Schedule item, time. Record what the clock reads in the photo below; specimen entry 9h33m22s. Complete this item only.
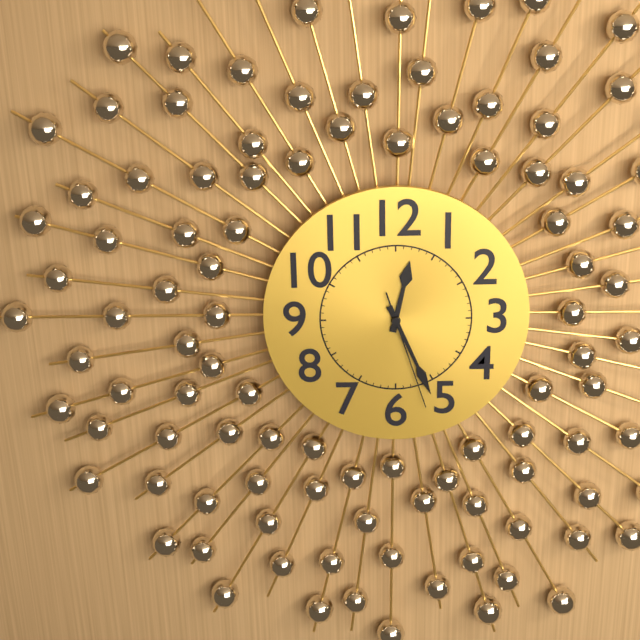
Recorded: 12h26m27s
